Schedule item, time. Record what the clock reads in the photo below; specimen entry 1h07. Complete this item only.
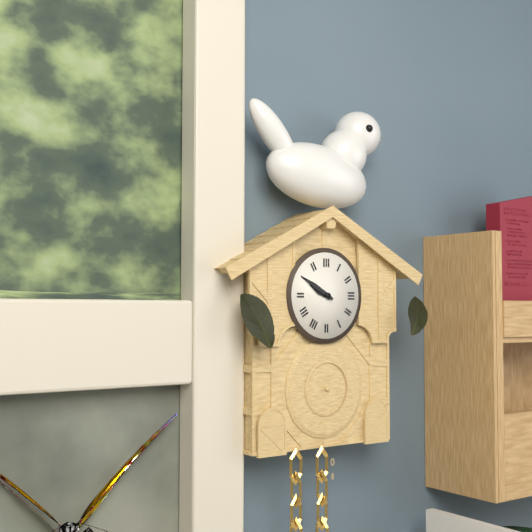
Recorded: 9h50
